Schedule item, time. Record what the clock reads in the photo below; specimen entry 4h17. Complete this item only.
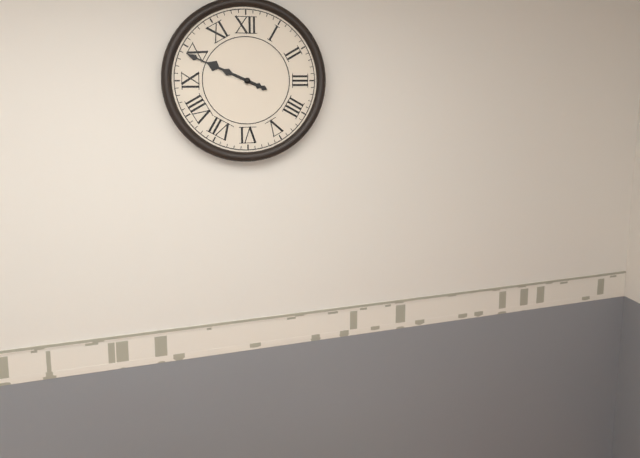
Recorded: 9h49
